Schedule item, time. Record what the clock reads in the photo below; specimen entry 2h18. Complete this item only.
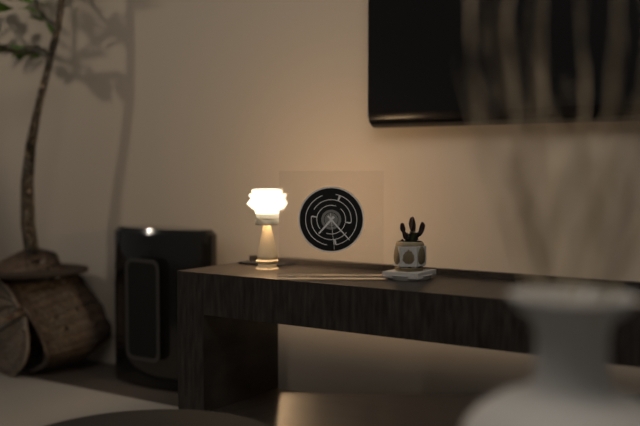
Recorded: 7h23
